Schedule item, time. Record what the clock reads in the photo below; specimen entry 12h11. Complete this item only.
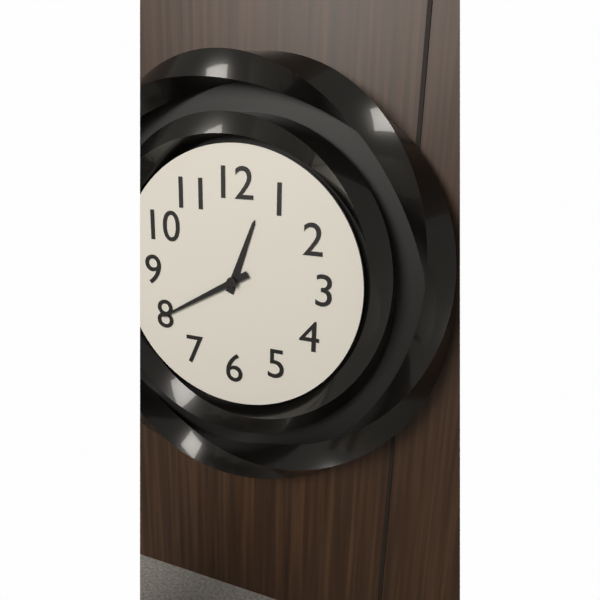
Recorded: 12h40
